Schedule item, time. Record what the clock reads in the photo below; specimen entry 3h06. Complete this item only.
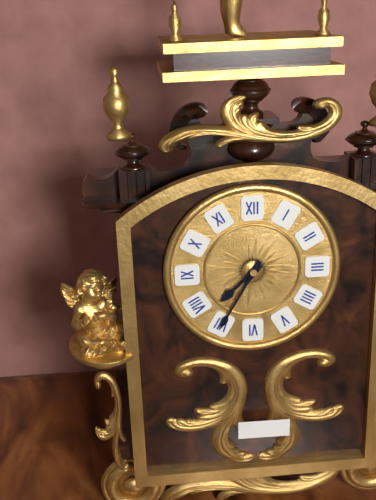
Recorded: 7h35
